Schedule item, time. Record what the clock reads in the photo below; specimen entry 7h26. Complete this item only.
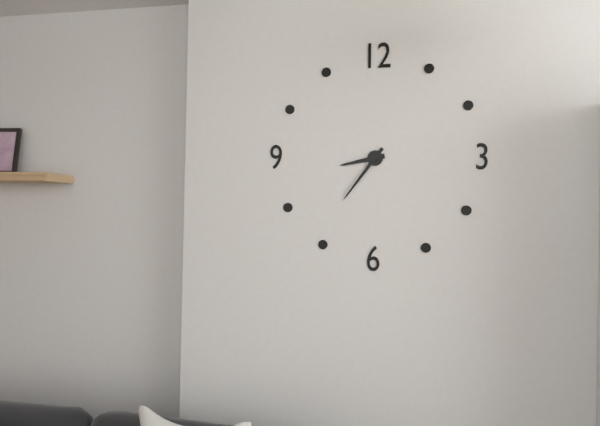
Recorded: 8h36
